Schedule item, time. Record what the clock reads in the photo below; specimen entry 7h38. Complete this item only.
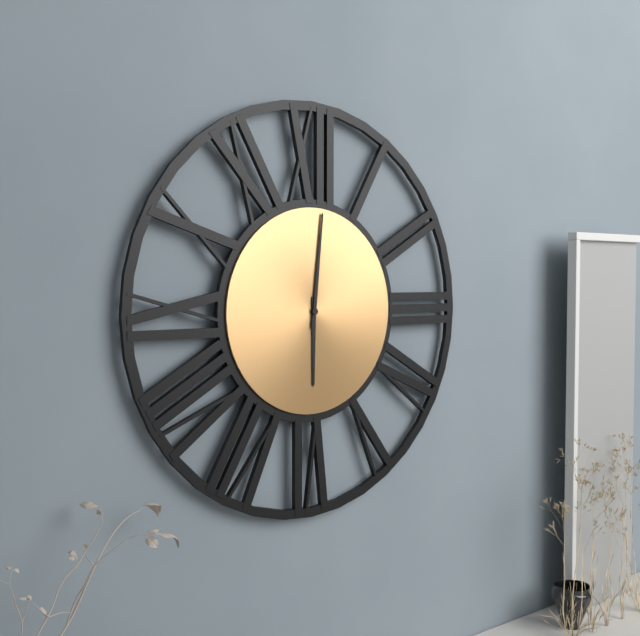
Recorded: 6h01
